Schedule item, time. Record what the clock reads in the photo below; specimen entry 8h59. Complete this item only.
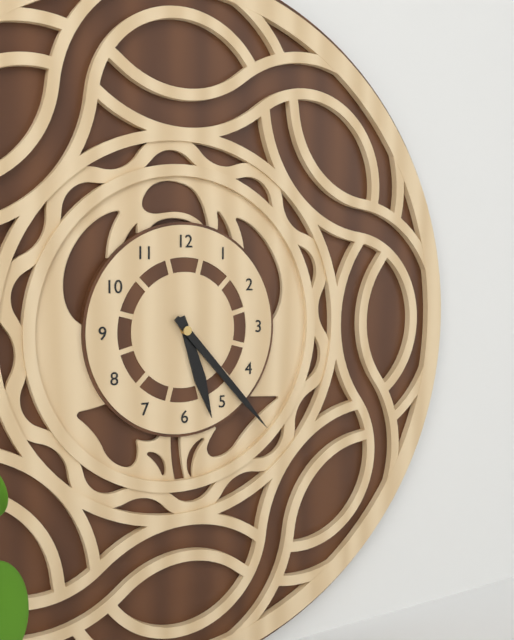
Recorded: 5h23
